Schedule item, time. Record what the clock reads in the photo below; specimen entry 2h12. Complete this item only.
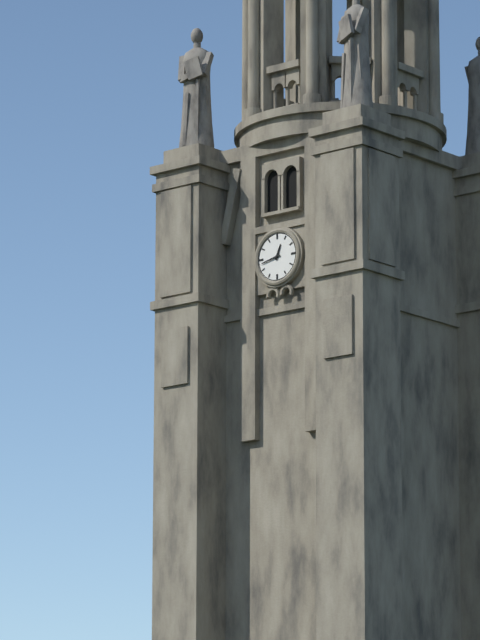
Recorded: 12h43
